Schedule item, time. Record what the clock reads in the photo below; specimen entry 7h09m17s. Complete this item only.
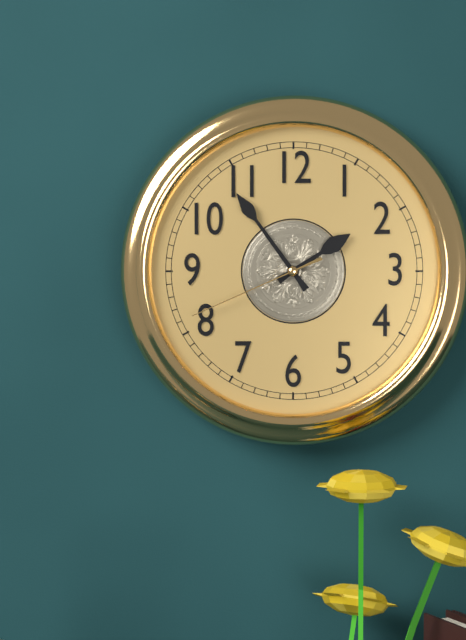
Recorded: 1h54m41s
